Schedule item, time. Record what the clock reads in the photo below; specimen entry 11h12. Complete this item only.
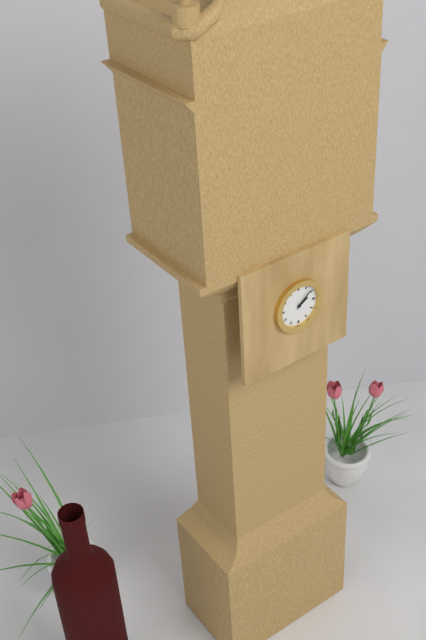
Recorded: 2h08
